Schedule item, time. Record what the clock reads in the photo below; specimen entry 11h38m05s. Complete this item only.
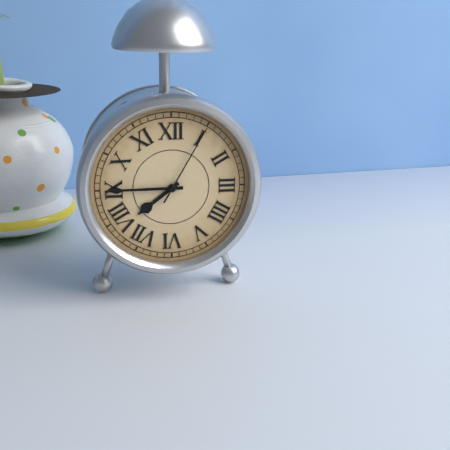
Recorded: 7h45m05s
